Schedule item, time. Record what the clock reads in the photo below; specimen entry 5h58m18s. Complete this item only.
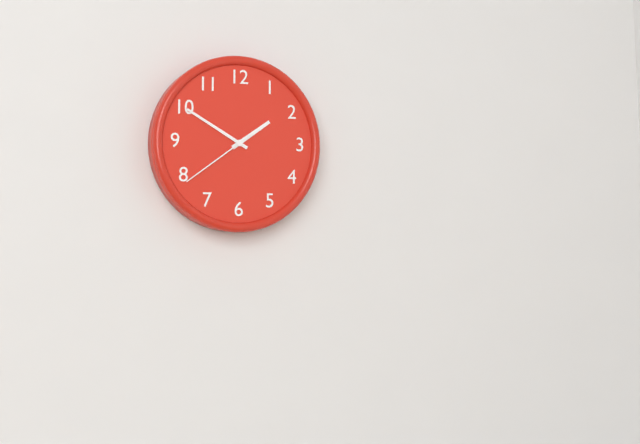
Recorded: 1h50m39s
